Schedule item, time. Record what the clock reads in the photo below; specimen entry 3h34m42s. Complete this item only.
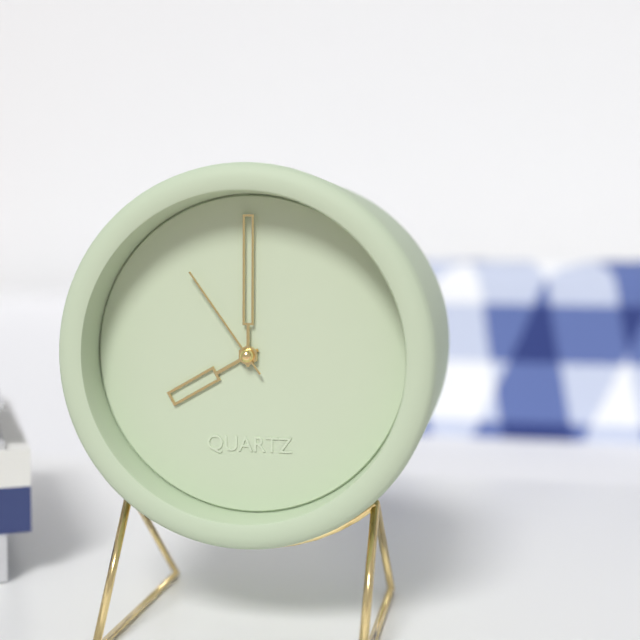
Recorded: 8h00m54s
